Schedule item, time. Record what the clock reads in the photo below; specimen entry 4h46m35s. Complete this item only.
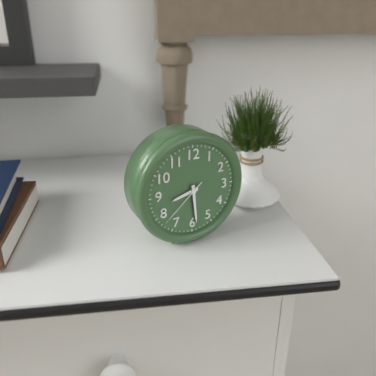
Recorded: 8h29m38s
